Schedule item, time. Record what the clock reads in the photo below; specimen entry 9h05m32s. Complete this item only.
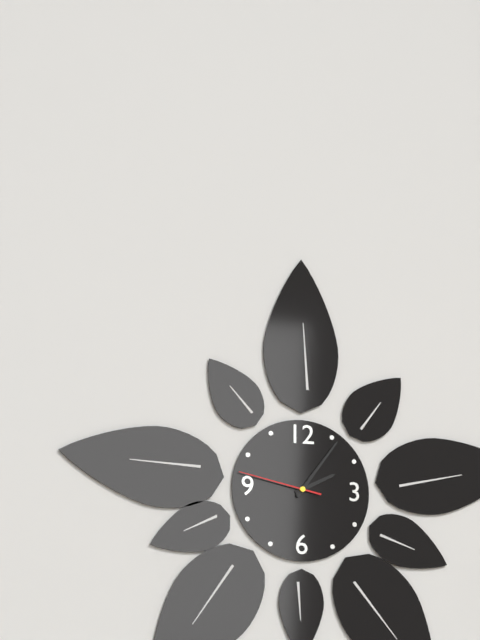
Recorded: 2h06m47s
